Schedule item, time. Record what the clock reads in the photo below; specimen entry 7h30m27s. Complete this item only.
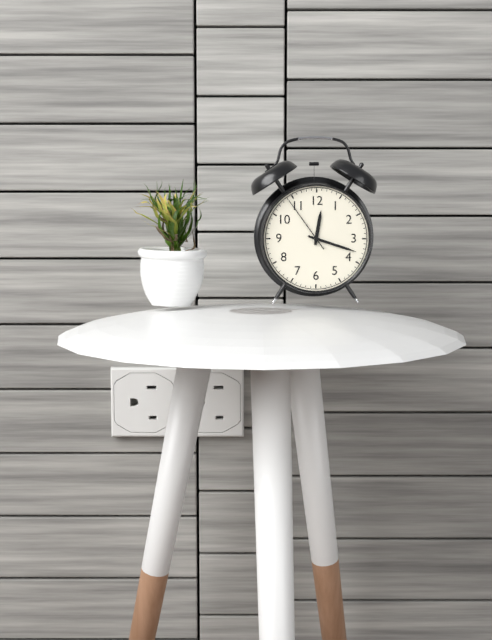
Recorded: 12h18m54s
